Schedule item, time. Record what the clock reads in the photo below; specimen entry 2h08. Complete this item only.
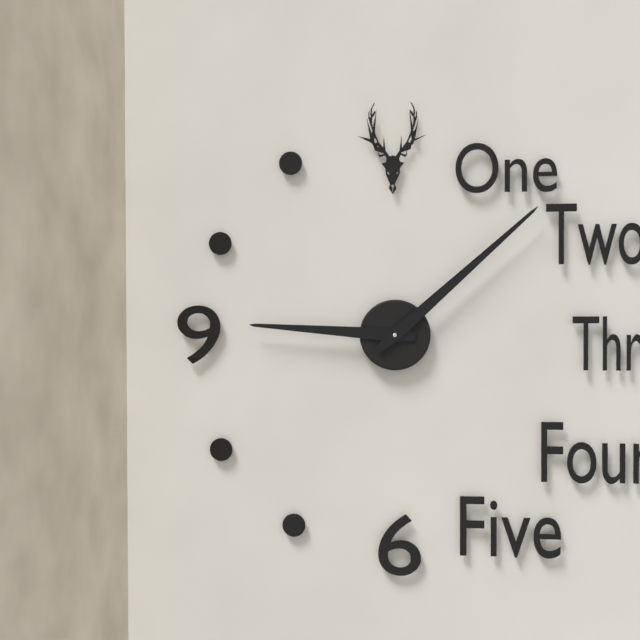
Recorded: 9h08
